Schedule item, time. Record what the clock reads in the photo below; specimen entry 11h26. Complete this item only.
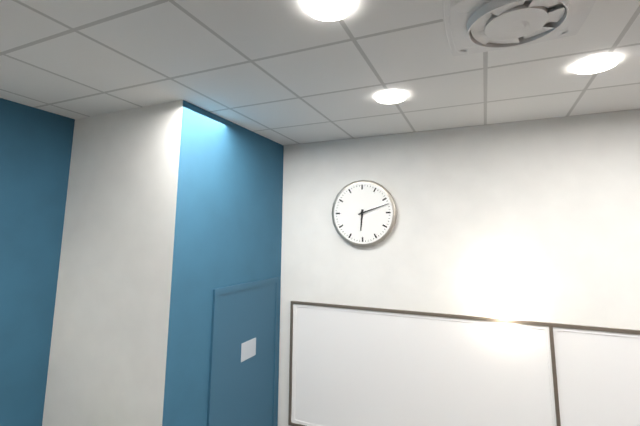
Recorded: 6h12
